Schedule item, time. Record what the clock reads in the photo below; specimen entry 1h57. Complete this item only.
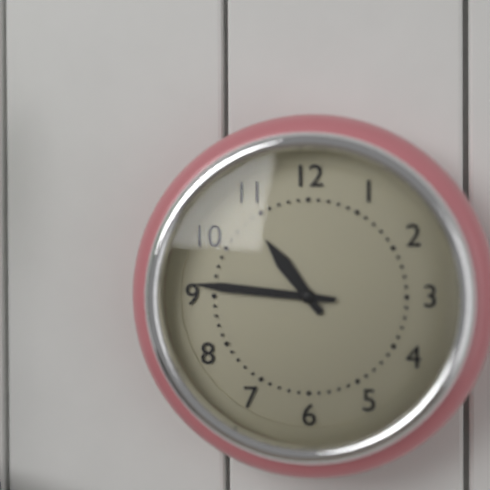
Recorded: 10h46
